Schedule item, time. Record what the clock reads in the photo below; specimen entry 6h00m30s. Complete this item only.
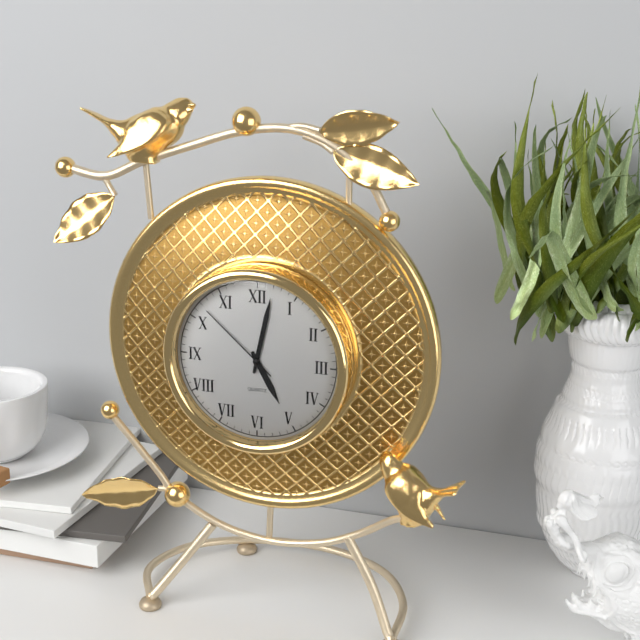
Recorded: 5h02m52s
